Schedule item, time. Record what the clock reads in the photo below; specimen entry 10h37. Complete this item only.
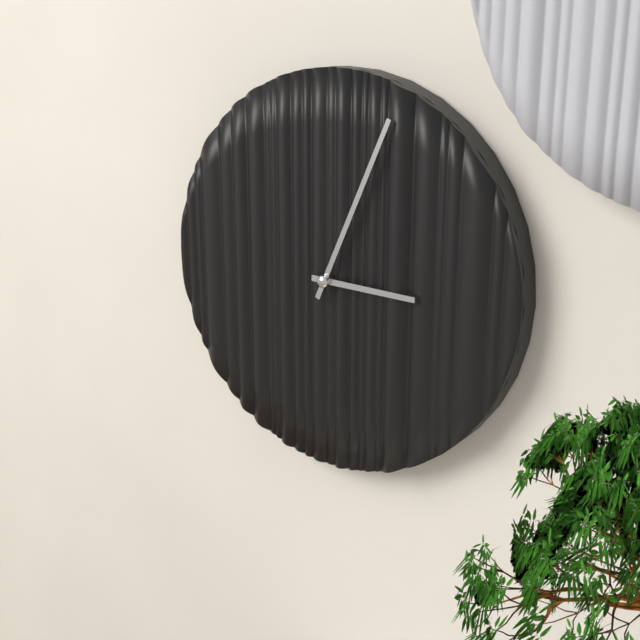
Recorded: 3h04
